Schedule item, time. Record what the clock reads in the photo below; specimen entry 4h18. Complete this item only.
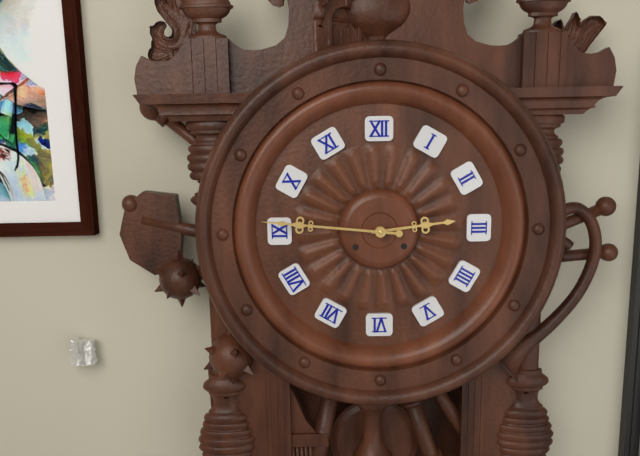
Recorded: 2h46
